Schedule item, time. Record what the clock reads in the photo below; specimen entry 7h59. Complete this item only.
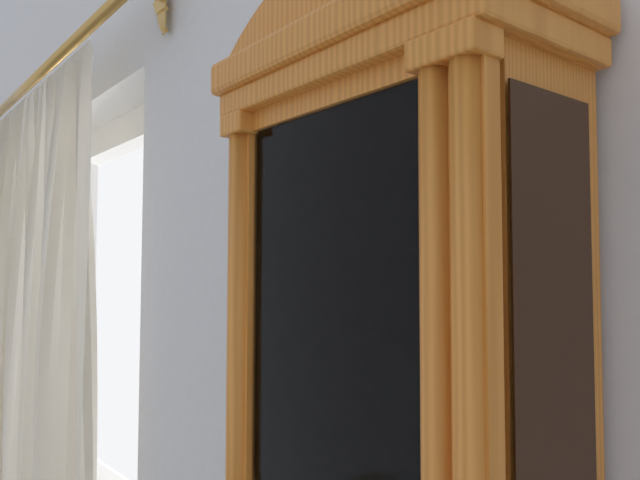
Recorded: 10h28
